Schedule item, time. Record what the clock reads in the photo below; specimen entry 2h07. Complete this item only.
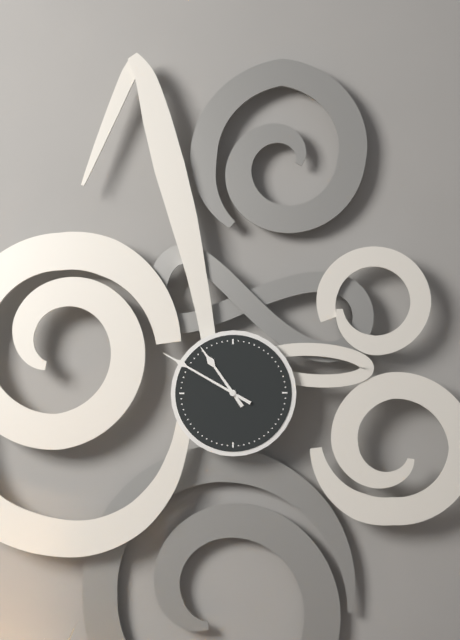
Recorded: 10h50
